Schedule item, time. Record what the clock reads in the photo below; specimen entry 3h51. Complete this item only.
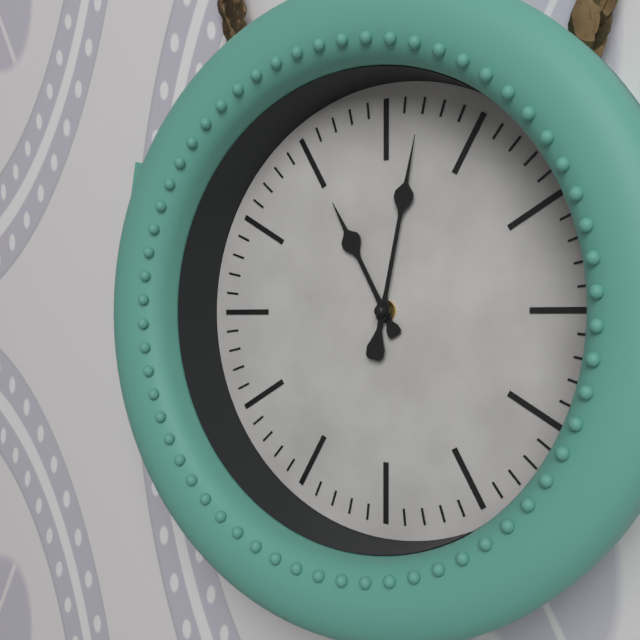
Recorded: 11h02
